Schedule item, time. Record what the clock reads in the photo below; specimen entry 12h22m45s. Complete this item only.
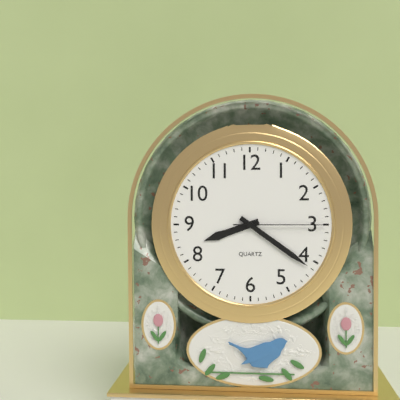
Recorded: 8h21m15s
